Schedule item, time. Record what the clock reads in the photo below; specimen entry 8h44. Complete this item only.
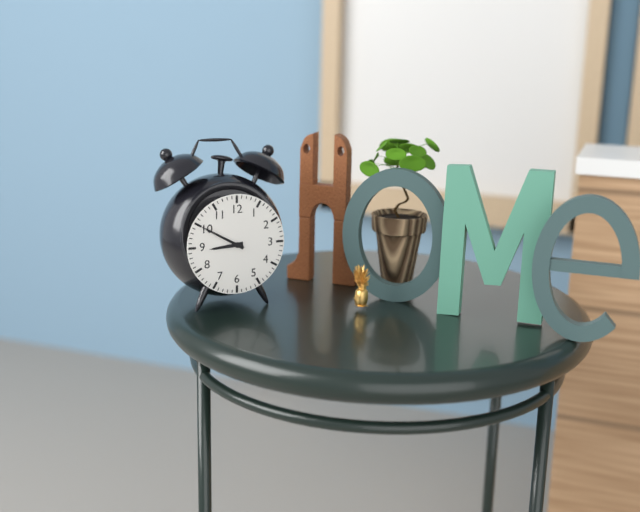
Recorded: 8h50
